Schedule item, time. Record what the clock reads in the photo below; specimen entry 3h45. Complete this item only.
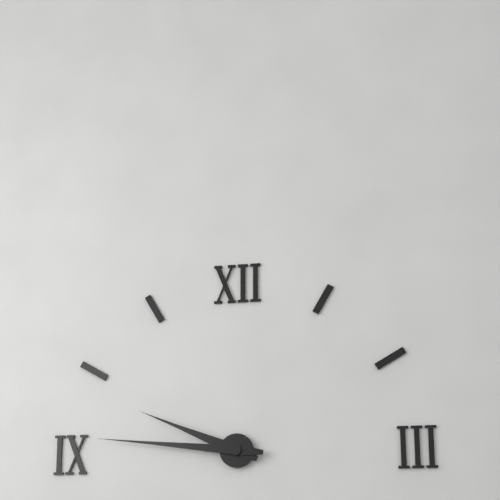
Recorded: 9h46
